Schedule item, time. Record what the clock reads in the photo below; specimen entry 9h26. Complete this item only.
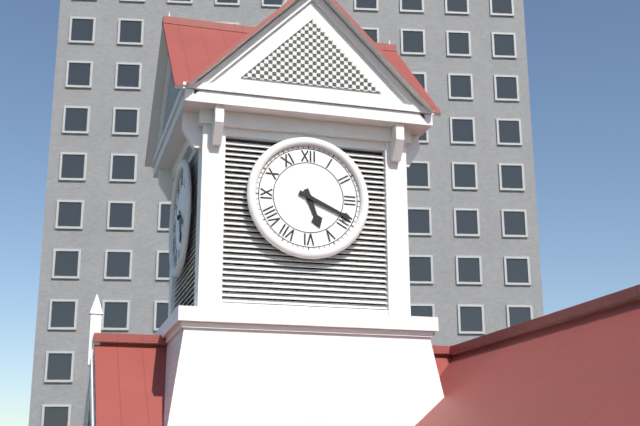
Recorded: 5h19
